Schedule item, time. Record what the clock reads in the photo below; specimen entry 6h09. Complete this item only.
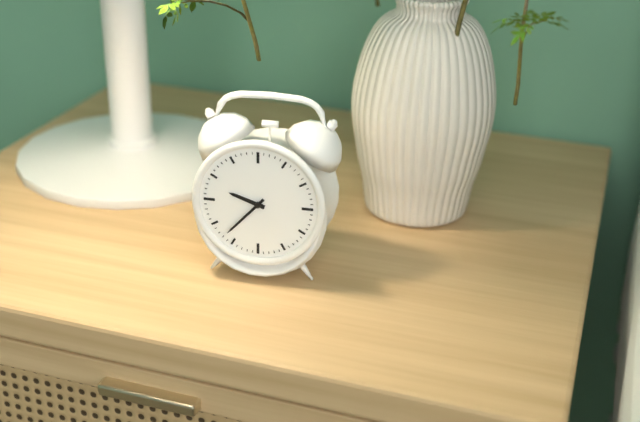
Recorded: 9h37
